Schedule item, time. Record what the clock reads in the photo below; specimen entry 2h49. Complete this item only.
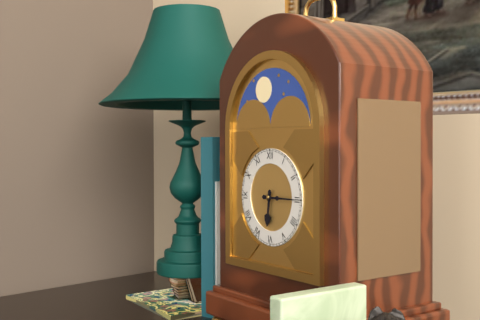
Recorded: 6h15
